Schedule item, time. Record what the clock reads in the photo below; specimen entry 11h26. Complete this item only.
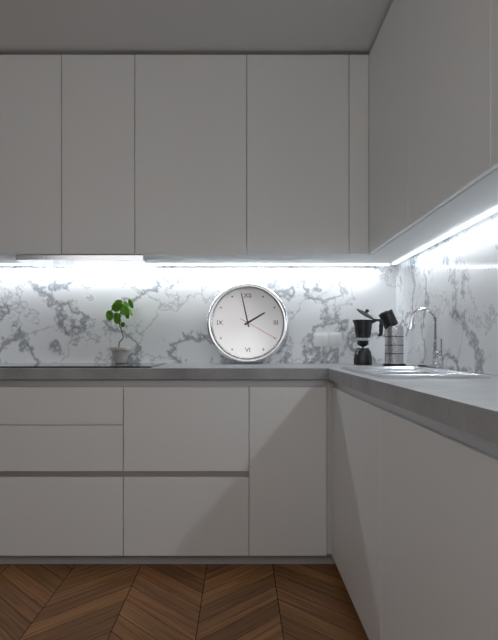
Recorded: 1h58
